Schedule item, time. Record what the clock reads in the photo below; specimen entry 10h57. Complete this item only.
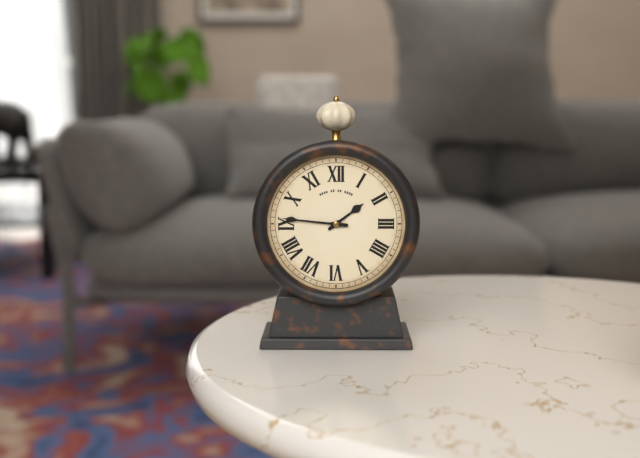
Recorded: 1h46
